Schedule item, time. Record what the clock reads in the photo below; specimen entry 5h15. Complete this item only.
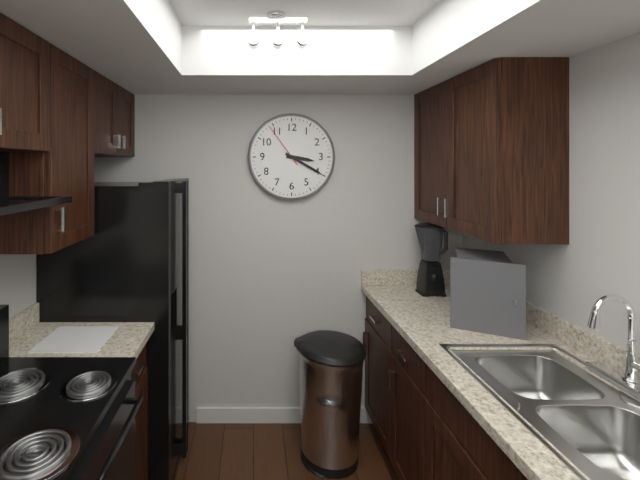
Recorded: 3h20
